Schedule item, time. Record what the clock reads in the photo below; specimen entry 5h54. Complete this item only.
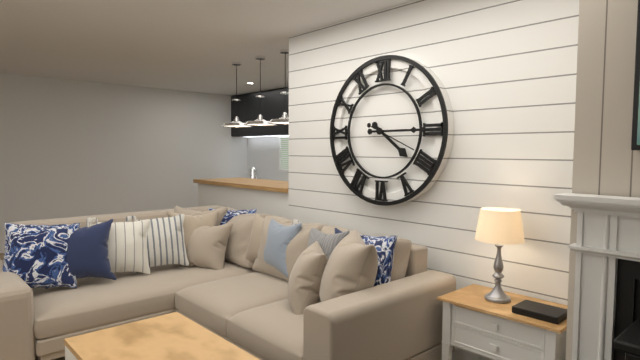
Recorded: 4h15
